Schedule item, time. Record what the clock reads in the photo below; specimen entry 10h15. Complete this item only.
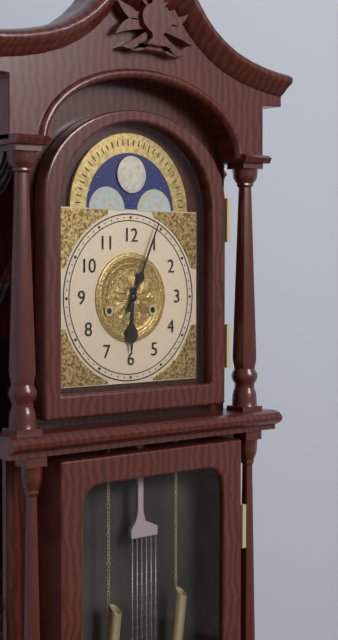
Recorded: 6h04
